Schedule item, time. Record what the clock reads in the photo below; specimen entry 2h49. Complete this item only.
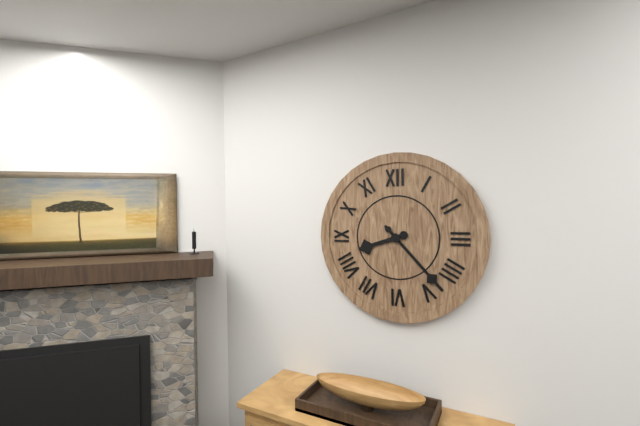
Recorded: 8h23
